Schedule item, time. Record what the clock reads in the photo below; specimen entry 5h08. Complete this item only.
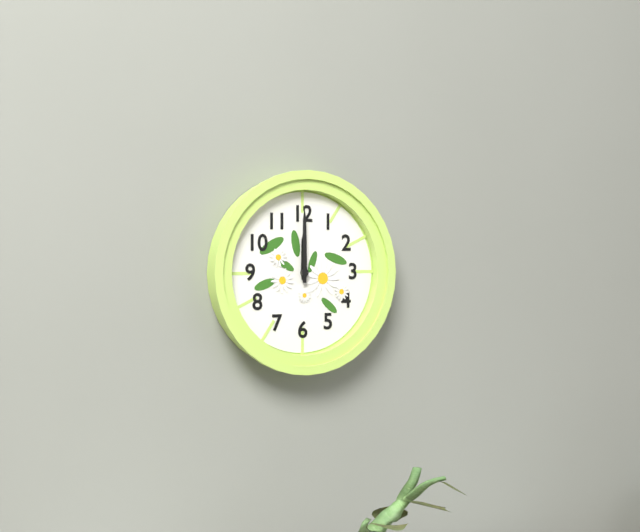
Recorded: 12h00
